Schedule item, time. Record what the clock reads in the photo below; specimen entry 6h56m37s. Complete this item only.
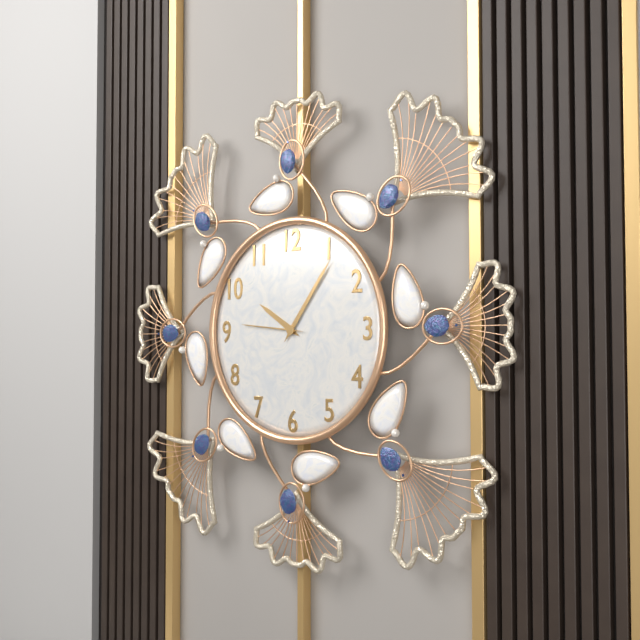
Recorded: 10h06m46s
